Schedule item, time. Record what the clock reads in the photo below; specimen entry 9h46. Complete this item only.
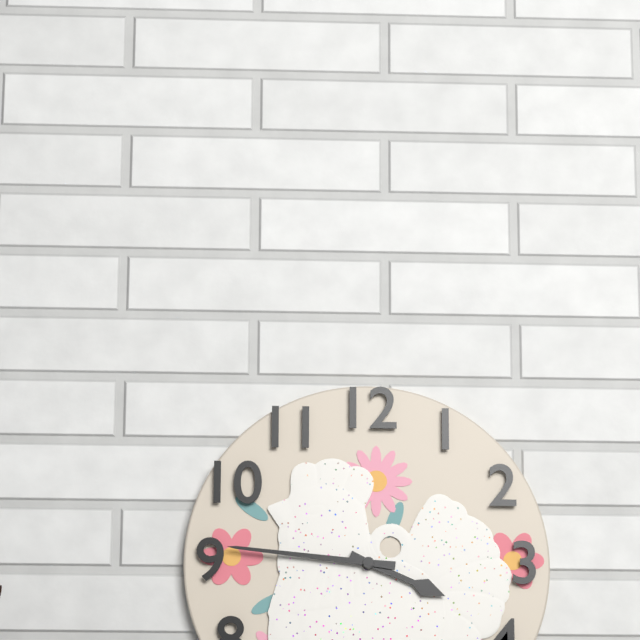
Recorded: 3h46
